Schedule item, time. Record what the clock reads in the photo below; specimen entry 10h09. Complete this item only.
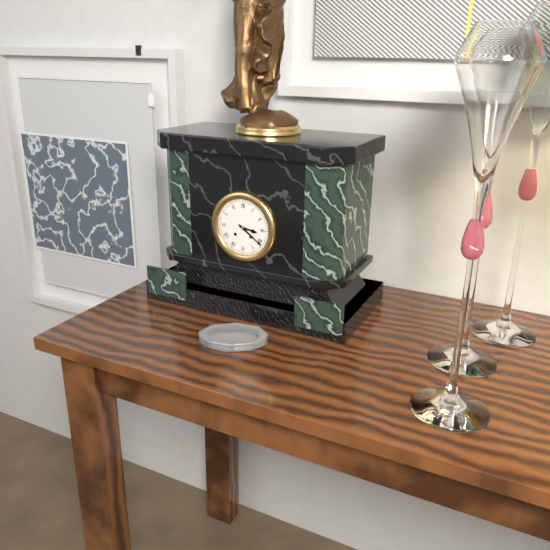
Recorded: 3h21
